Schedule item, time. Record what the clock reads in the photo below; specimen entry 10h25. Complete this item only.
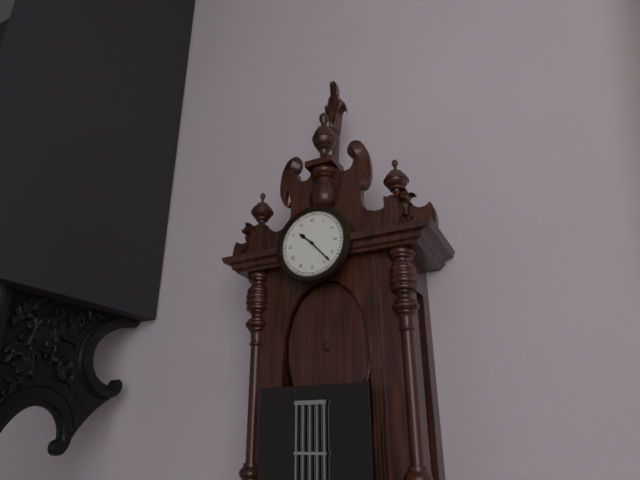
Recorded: 10h23
